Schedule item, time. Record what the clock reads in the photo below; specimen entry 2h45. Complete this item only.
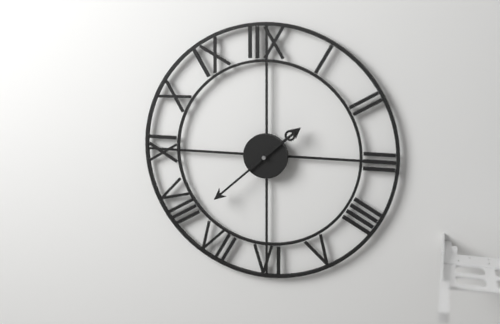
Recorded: 1h38
